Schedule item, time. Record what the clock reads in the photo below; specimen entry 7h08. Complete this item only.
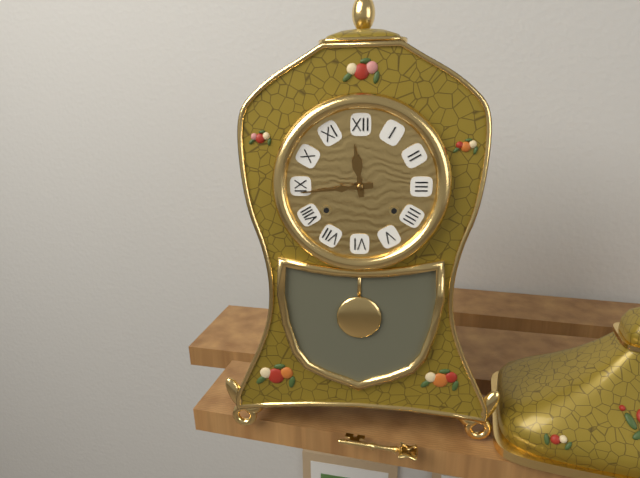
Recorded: 11h44
